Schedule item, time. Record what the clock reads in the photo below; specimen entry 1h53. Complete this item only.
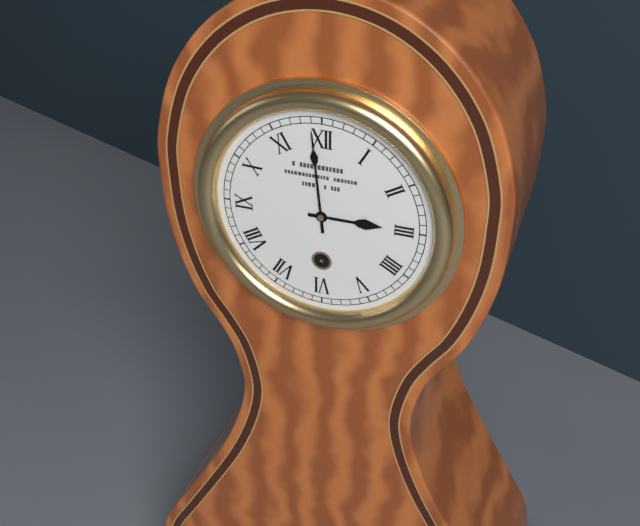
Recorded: 2h59
